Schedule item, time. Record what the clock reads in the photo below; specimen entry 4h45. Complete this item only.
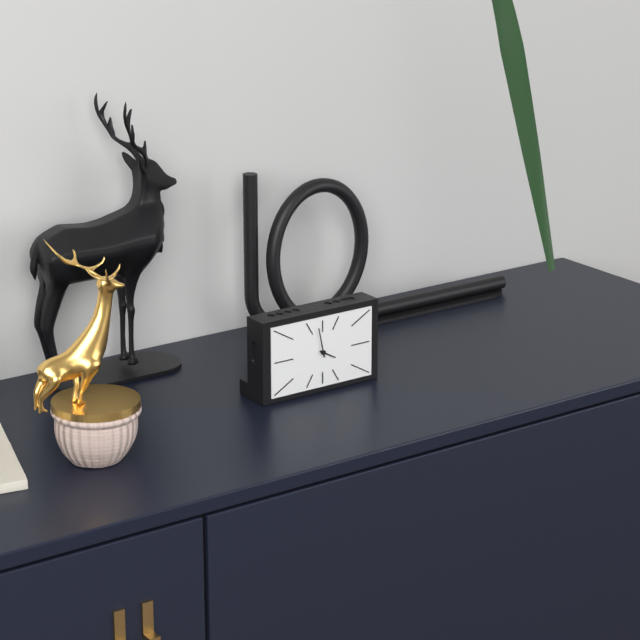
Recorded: 3h58
